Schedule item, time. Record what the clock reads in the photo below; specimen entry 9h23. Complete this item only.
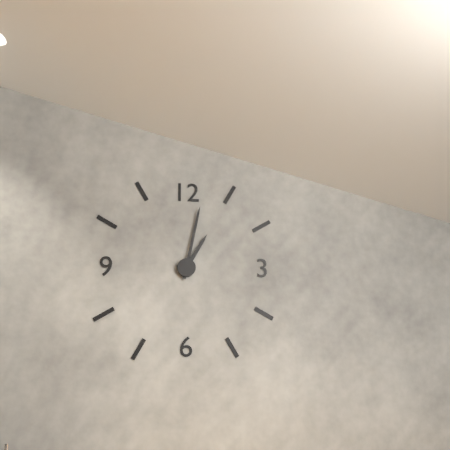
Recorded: 1h02
